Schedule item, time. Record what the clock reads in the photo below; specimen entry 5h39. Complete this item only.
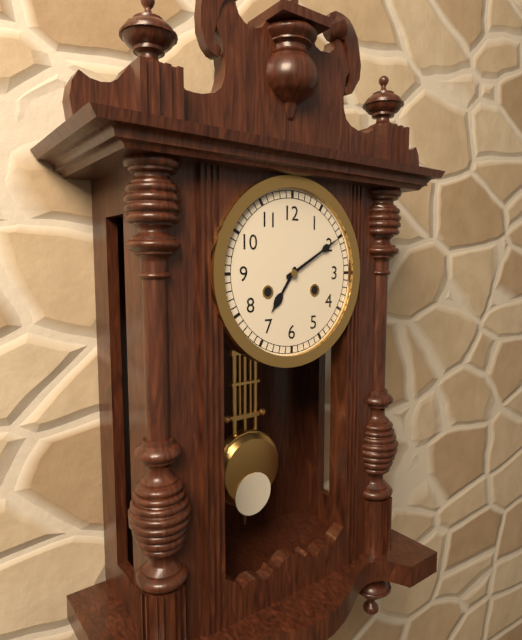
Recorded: 7h10
